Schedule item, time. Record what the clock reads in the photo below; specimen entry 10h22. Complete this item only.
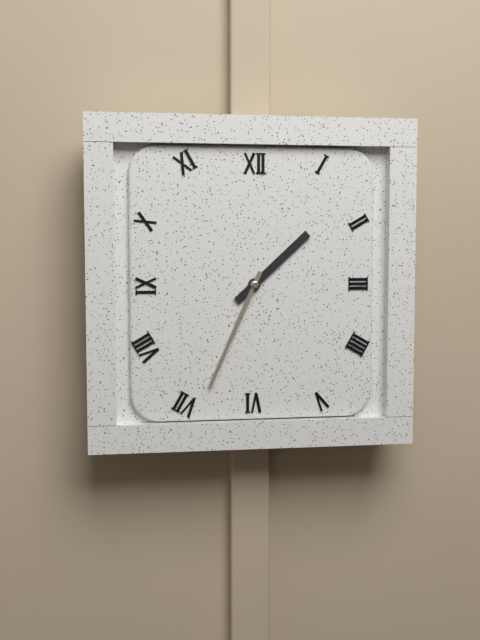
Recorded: 1h34
